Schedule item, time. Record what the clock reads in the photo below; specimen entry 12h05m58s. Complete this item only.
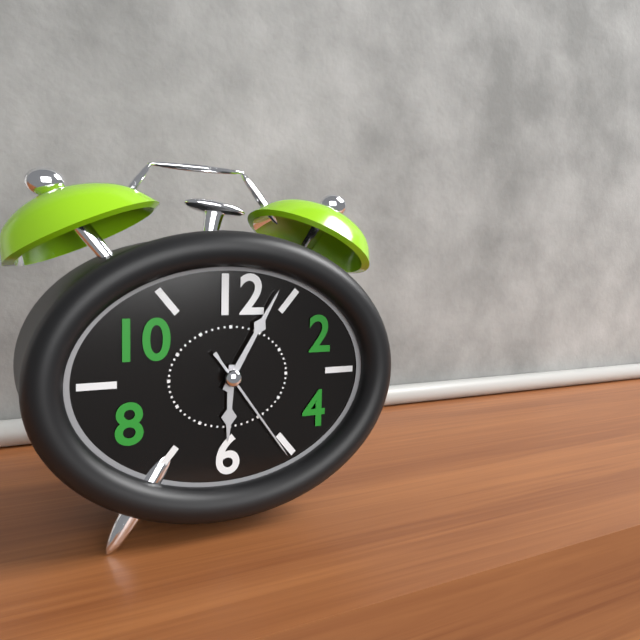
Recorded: 6h05m24s
